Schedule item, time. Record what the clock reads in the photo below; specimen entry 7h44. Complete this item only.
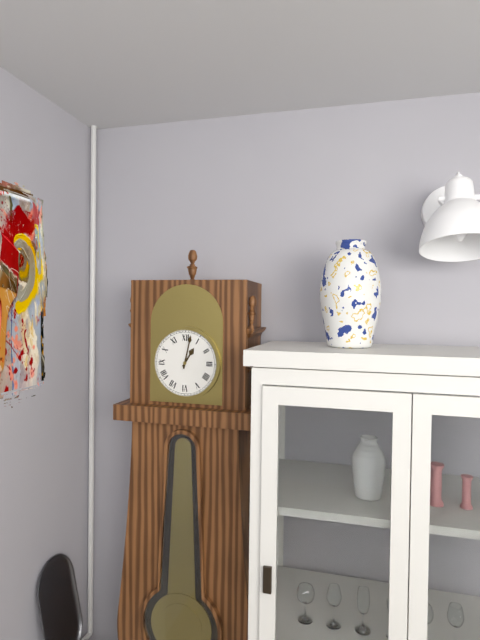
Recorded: 1h02
